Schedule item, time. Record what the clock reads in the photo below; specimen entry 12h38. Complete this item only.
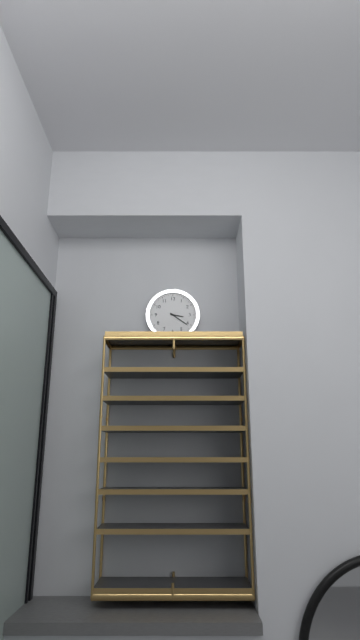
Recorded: 3h21
